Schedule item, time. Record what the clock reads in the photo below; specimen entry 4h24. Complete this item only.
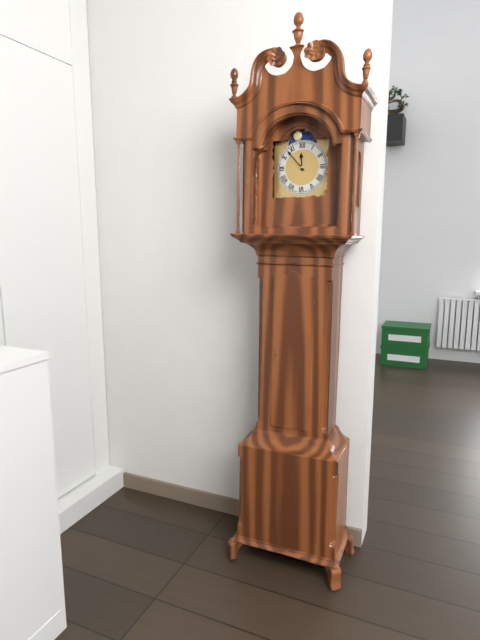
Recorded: 11h53
